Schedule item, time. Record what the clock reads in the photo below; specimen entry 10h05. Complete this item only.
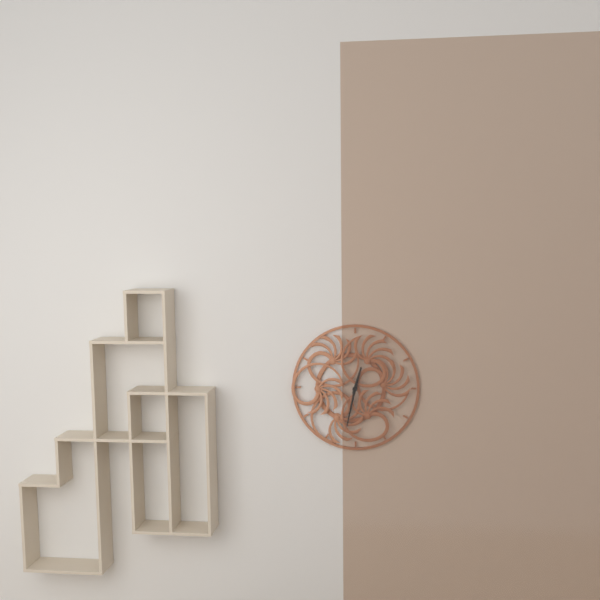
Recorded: 12h32
